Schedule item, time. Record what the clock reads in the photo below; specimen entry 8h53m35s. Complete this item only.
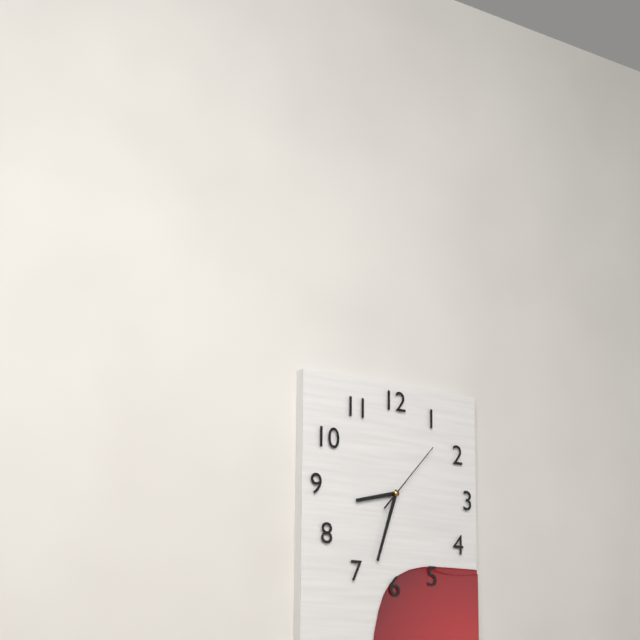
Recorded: 8h33m07s
